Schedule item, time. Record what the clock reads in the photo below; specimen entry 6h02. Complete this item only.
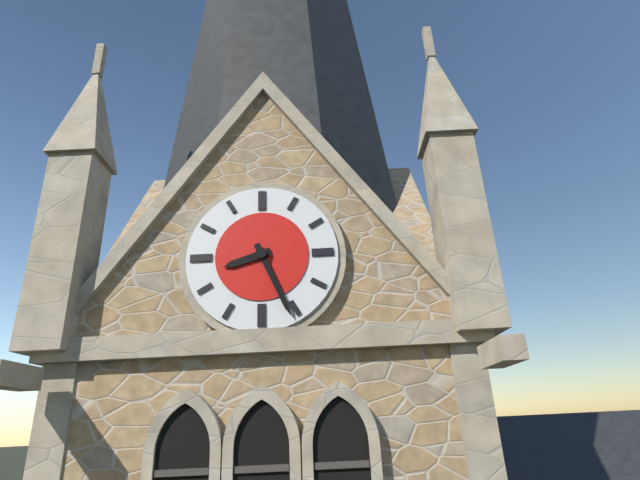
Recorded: 8h26
